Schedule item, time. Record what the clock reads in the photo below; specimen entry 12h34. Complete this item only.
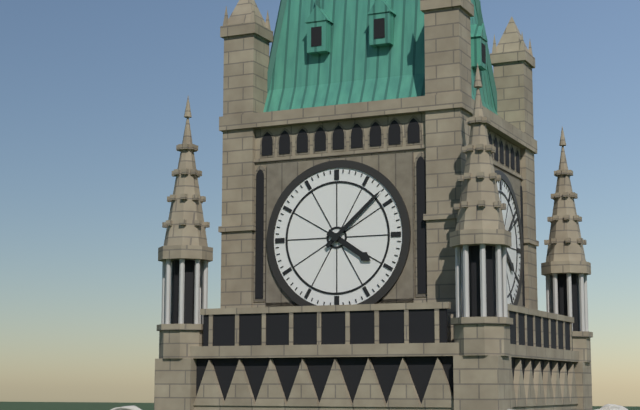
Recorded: 4h08
